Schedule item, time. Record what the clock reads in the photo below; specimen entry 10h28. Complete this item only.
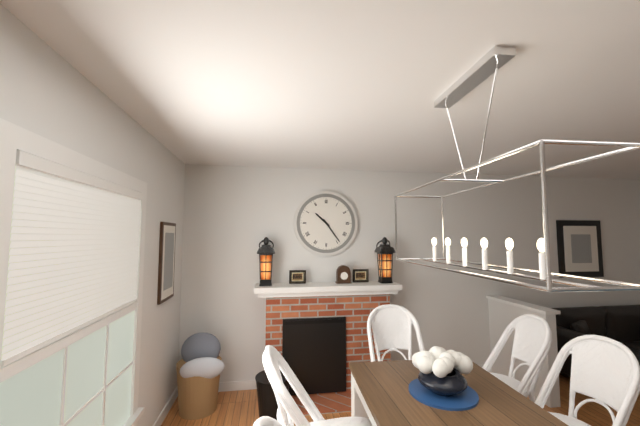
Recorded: 10h24
